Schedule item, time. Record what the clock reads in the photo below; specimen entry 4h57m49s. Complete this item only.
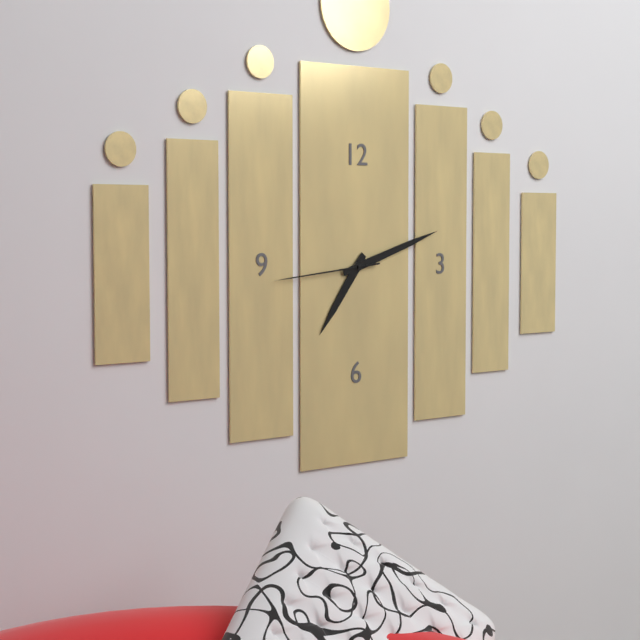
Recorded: 7h12m44s
